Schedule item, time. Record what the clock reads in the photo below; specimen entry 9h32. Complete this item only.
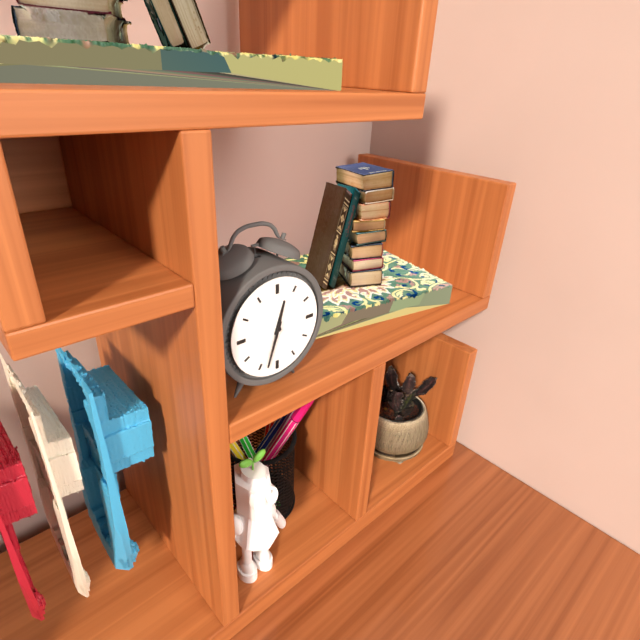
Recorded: 12h33
